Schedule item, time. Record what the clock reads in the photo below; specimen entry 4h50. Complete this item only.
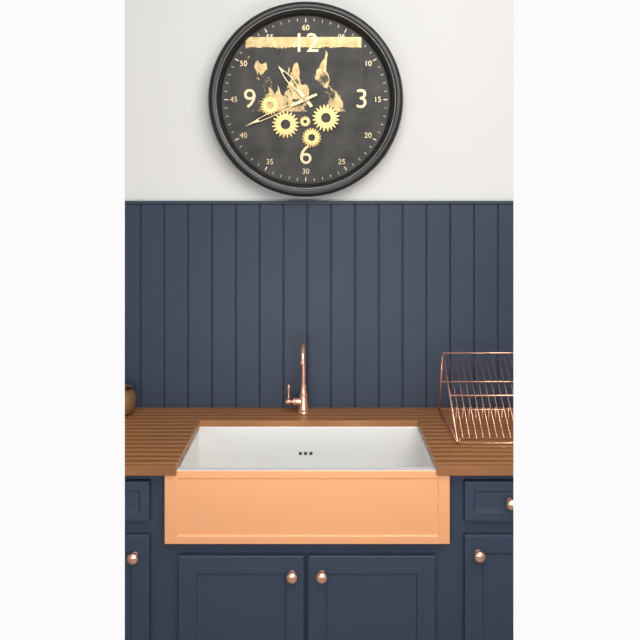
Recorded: 10h41
